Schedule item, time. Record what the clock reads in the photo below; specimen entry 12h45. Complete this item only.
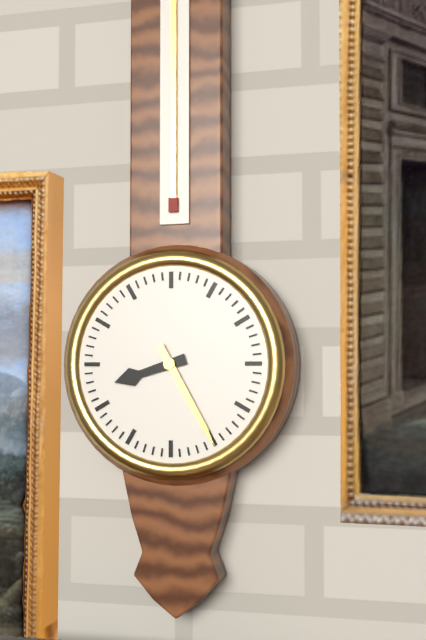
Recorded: 8h25
